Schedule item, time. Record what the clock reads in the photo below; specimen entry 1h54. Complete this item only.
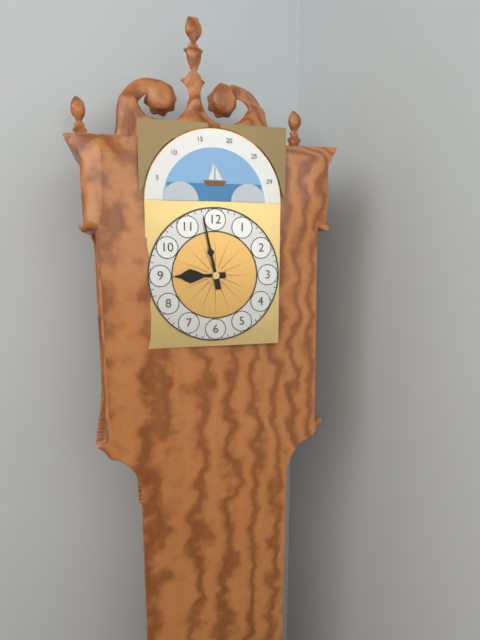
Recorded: 8h58
